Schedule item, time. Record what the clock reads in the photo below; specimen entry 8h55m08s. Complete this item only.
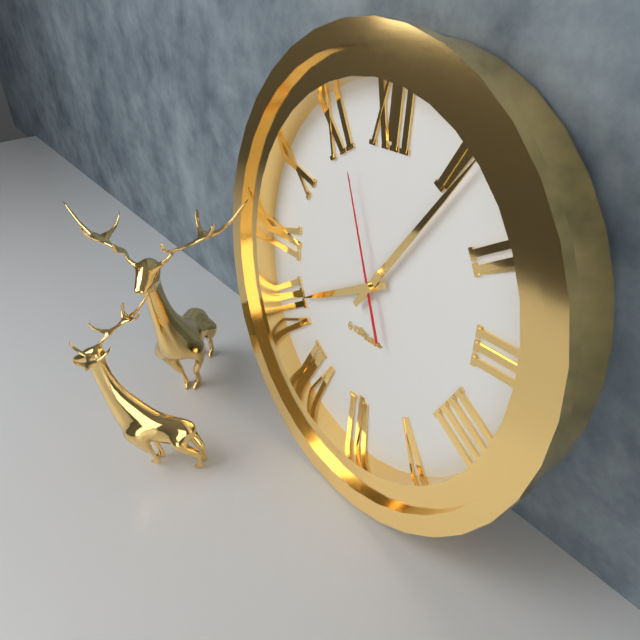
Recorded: 8h06m56s
